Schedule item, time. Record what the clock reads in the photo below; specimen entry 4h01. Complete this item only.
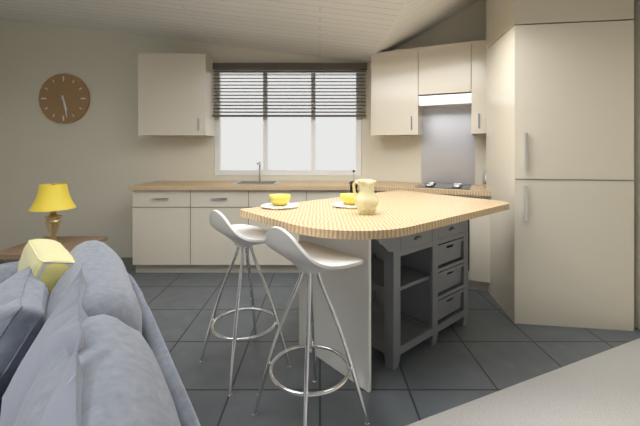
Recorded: 5h28
